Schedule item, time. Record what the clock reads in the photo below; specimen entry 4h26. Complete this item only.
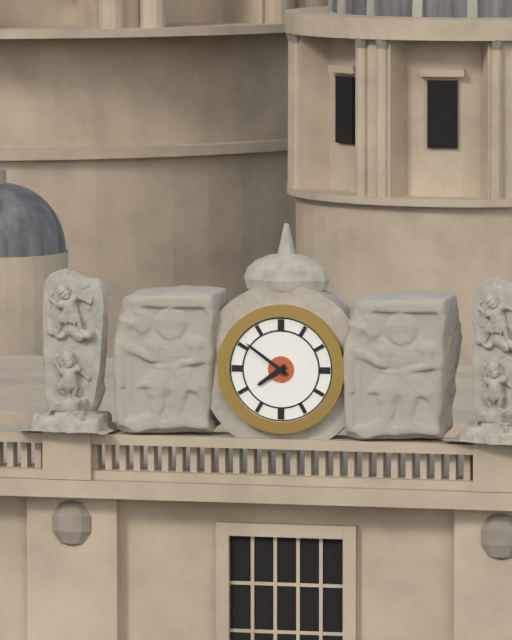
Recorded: 7h51
